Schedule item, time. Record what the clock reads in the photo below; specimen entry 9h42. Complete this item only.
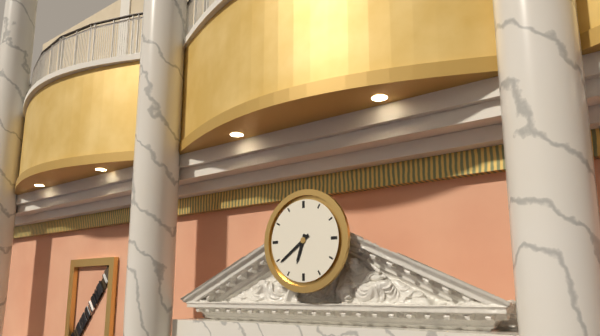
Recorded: 6h39
